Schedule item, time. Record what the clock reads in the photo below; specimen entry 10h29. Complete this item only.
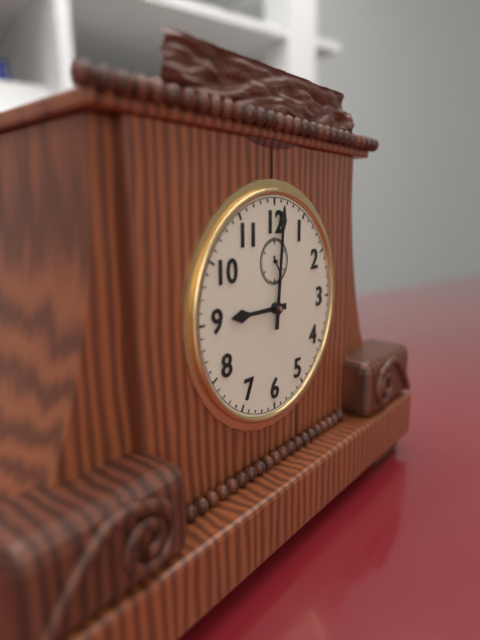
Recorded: 9h01
